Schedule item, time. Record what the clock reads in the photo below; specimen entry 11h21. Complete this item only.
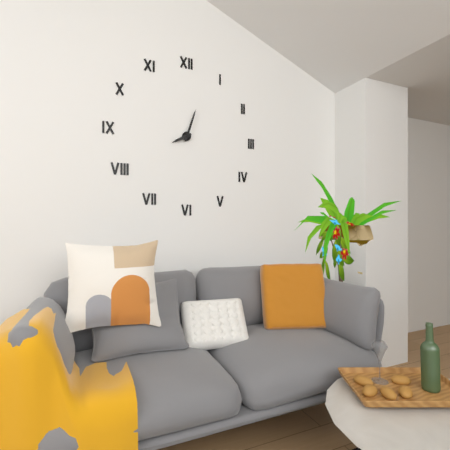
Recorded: 8h03
